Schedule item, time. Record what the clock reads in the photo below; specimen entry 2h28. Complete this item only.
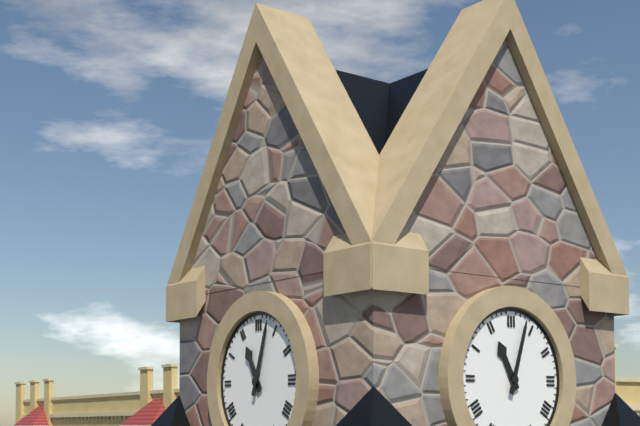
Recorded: 11h03
